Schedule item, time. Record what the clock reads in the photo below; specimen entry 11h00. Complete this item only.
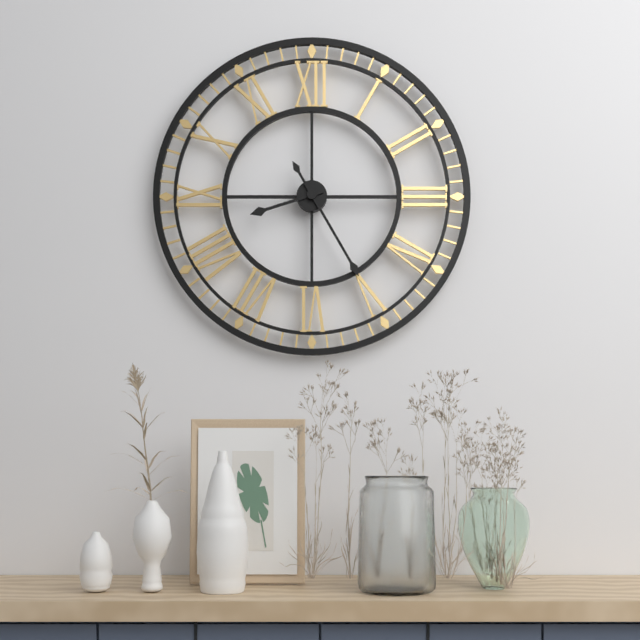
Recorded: 8h25
